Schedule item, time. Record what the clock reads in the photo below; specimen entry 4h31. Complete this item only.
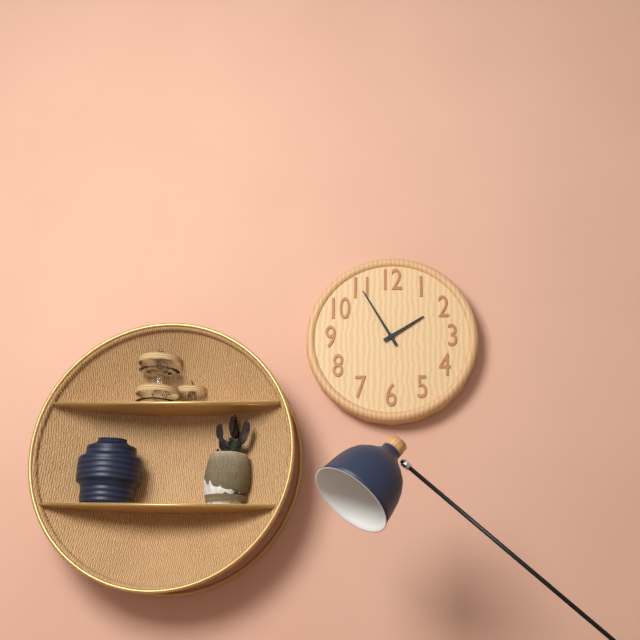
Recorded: 1h55
